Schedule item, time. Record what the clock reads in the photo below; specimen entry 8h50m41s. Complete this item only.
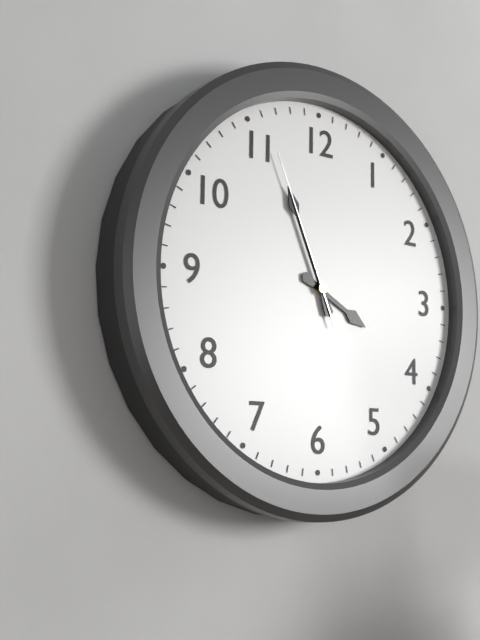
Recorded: 3h56m56s
